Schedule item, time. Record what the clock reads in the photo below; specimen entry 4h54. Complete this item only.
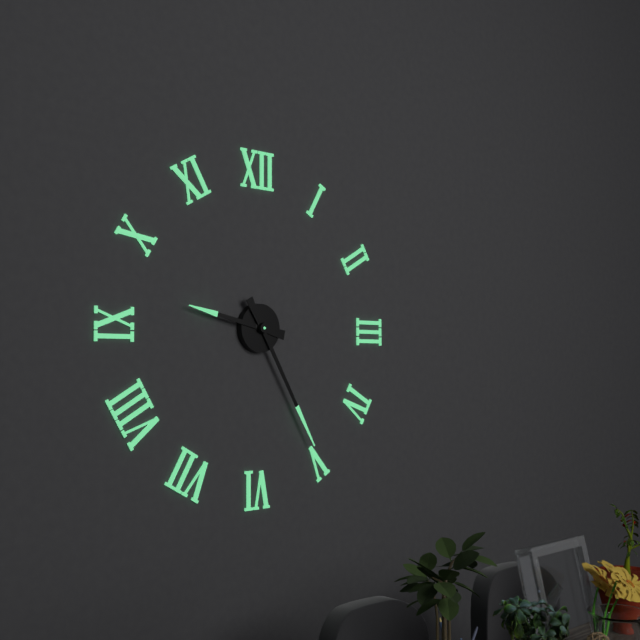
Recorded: 9h25
